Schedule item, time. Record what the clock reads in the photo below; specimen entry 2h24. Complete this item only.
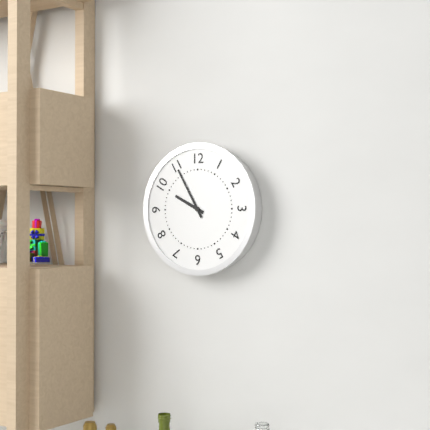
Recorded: 9h55
